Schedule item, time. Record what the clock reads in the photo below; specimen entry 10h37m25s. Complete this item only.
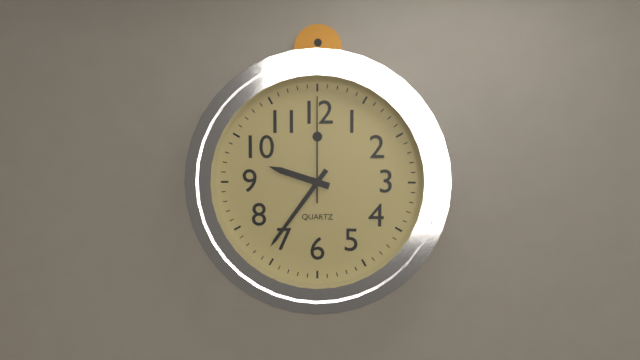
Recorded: 9h36m00s
